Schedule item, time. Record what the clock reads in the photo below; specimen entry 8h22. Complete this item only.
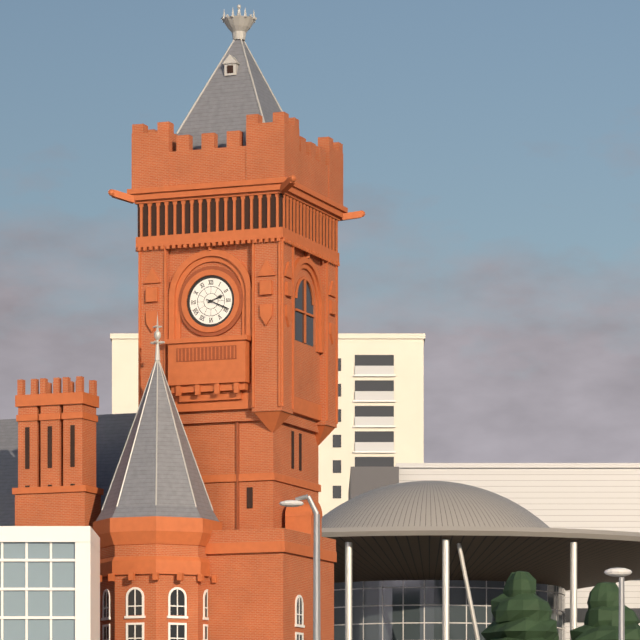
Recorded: 2h19
